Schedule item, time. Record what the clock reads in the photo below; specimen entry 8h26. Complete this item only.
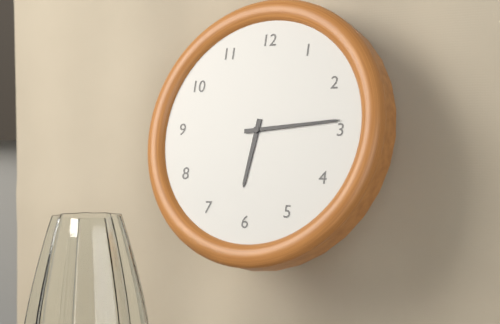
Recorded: 6h14
